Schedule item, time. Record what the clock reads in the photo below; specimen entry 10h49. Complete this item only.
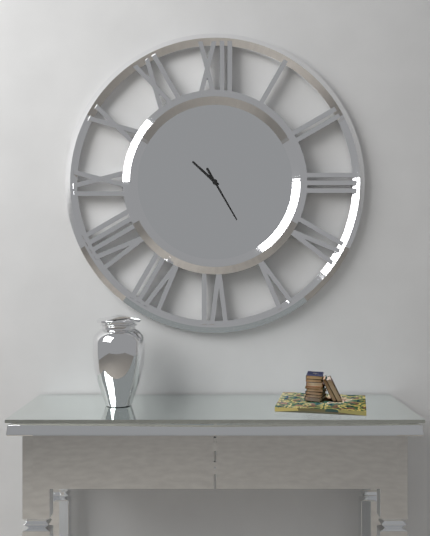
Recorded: 10h25
